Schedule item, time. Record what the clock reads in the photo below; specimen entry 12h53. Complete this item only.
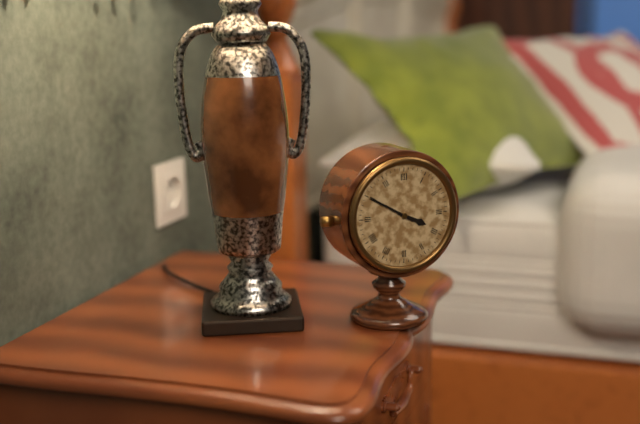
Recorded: 3h50
